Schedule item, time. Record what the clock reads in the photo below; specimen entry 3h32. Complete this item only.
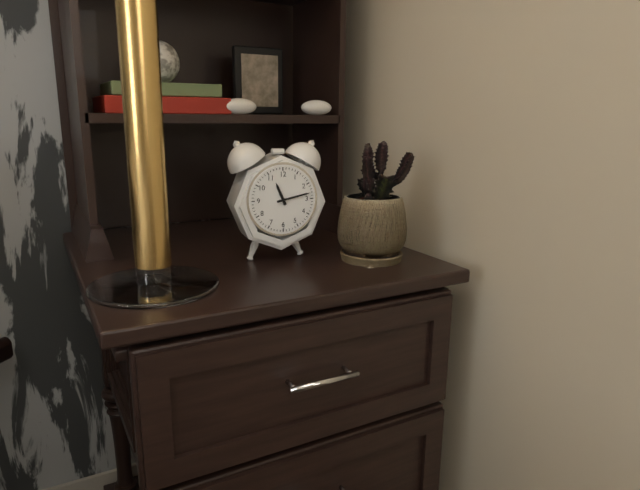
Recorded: 11h13
